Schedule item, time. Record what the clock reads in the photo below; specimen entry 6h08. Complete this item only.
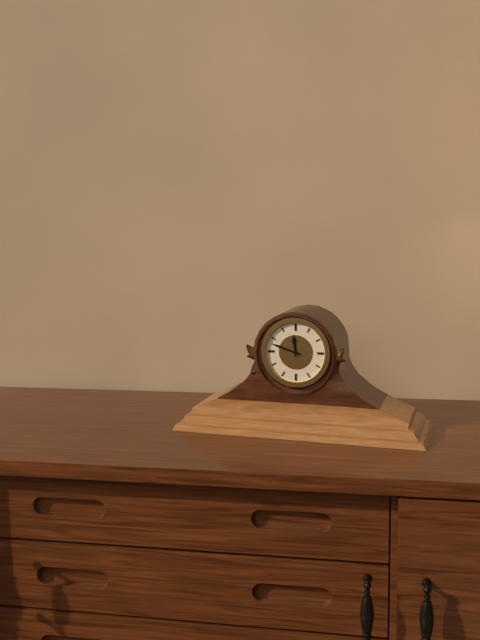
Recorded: 11h48
